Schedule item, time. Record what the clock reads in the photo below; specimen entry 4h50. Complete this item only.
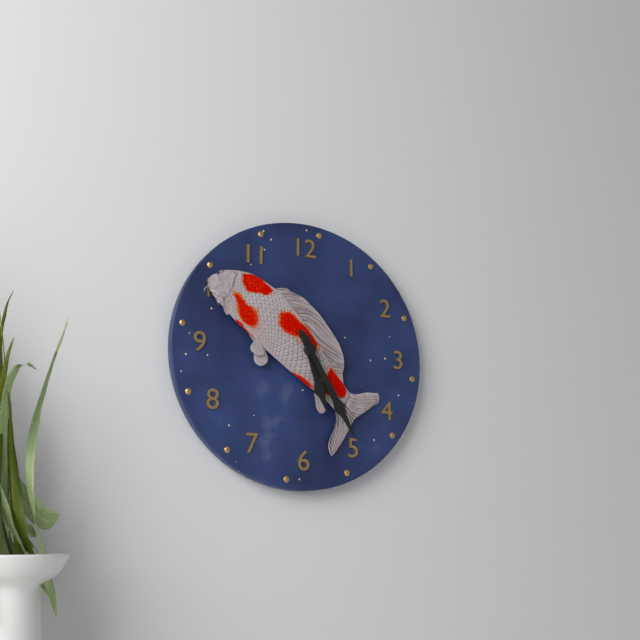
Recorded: 5h25
